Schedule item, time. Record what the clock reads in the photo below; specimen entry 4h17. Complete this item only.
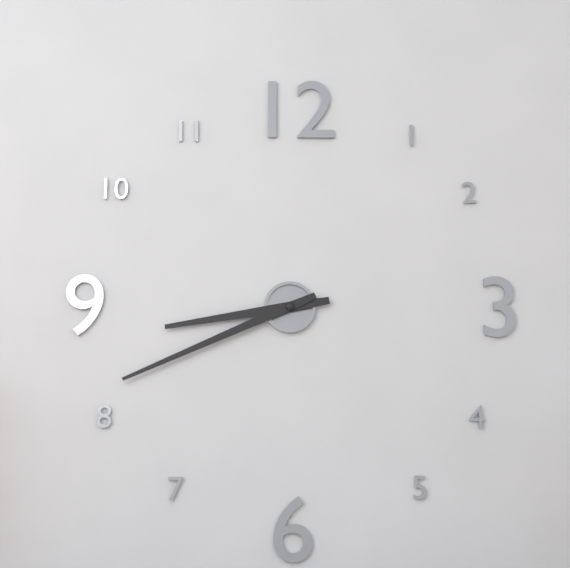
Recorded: 8h41
